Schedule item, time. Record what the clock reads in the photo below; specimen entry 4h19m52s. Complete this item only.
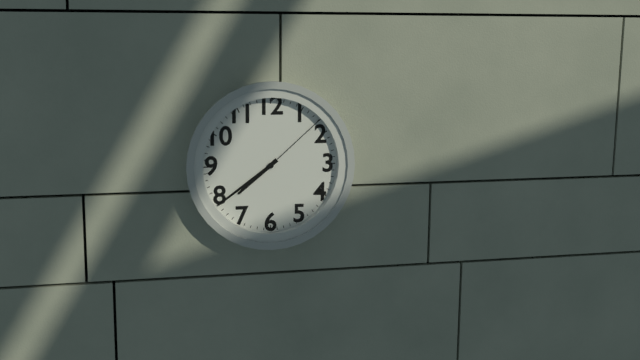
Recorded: 7h39m08s
